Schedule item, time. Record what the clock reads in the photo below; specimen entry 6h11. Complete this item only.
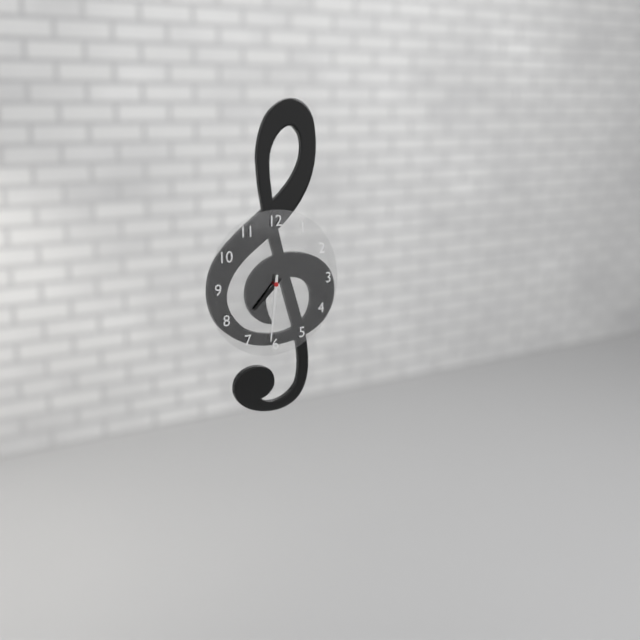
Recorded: 7h31
